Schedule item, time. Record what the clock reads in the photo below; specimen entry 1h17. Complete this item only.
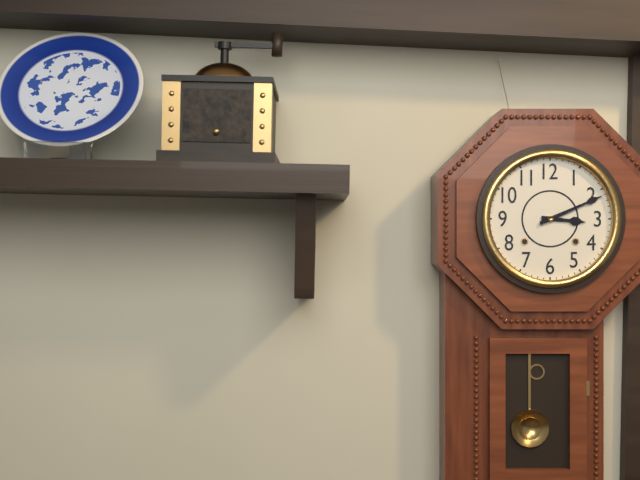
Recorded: 3h11
